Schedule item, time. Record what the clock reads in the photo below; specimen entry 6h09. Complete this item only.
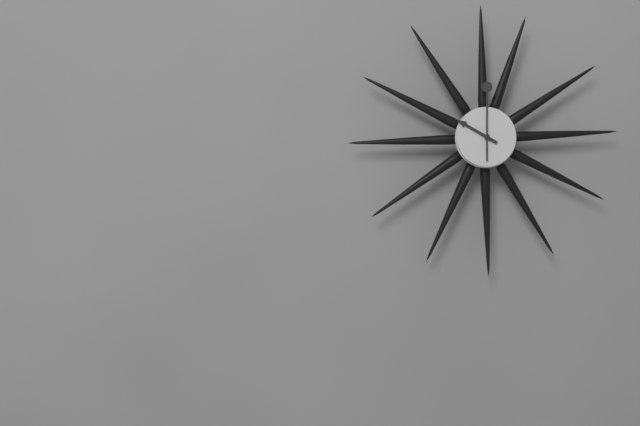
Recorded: 10h00
